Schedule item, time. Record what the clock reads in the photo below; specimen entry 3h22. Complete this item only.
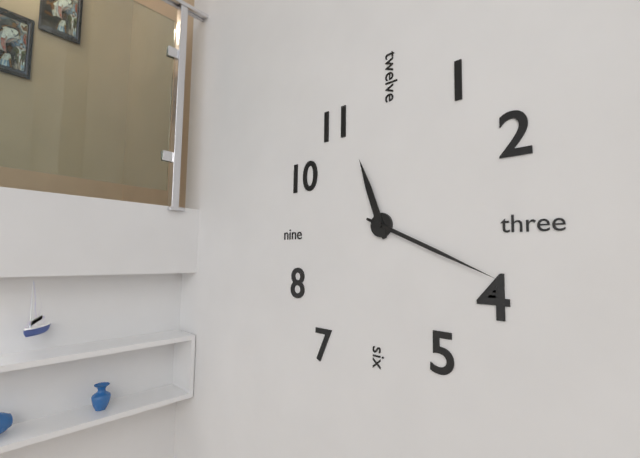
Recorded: 11h19
